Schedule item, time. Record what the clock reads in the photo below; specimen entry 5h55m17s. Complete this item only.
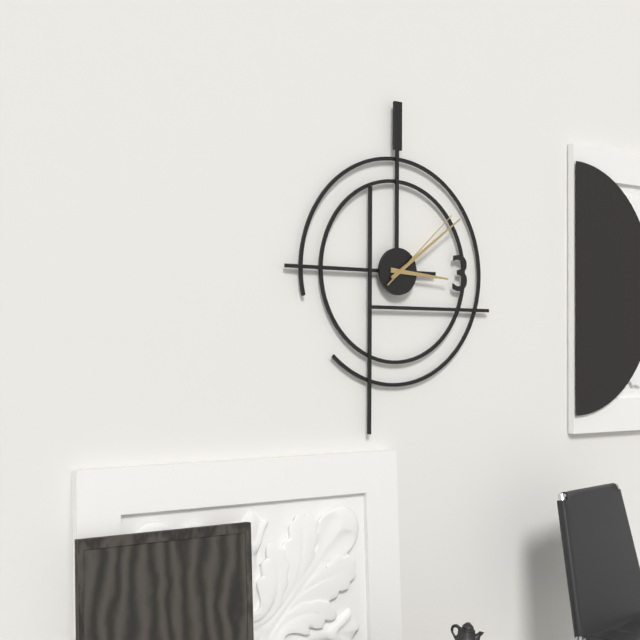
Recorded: 3h09m08s
